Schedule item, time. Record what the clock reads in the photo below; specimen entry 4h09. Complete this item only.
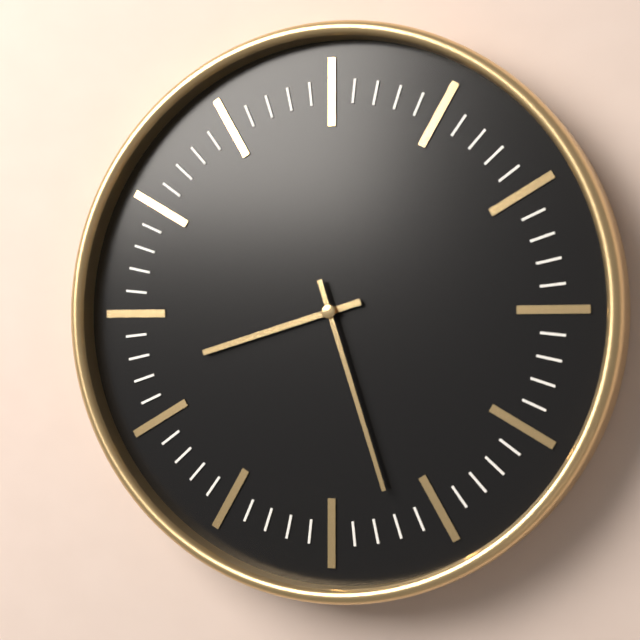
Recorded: 8h27
